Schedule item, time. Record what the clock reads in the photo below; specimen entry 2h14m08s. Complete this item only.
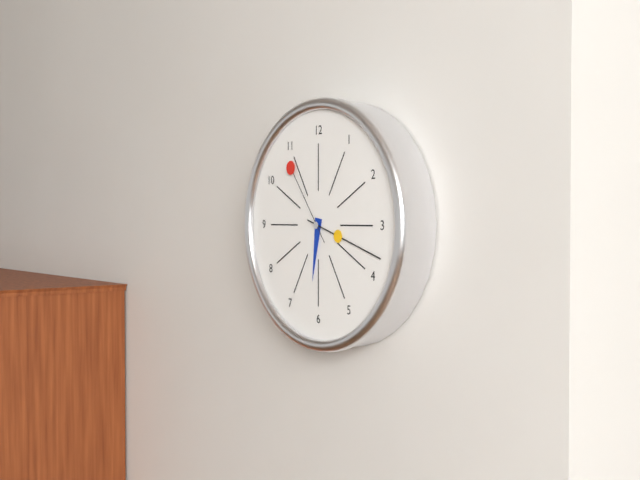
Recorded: 6h18m54s
